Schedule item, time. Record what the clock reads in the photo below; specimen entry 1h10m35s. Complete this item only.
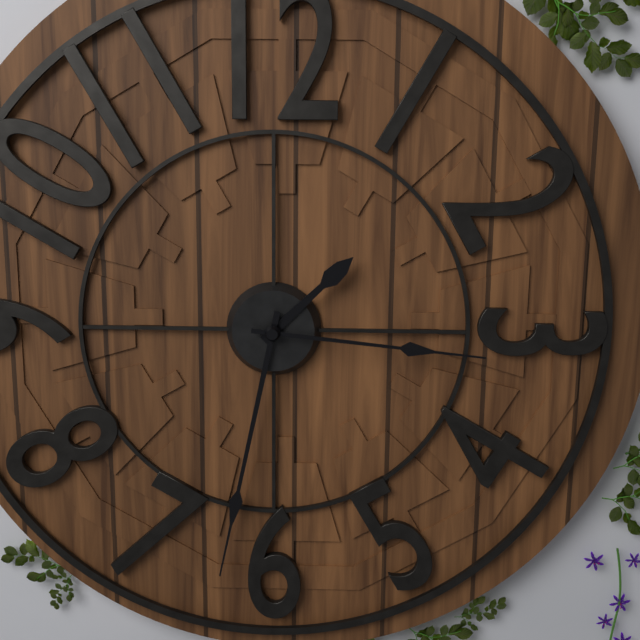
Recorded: 1h32m16s
